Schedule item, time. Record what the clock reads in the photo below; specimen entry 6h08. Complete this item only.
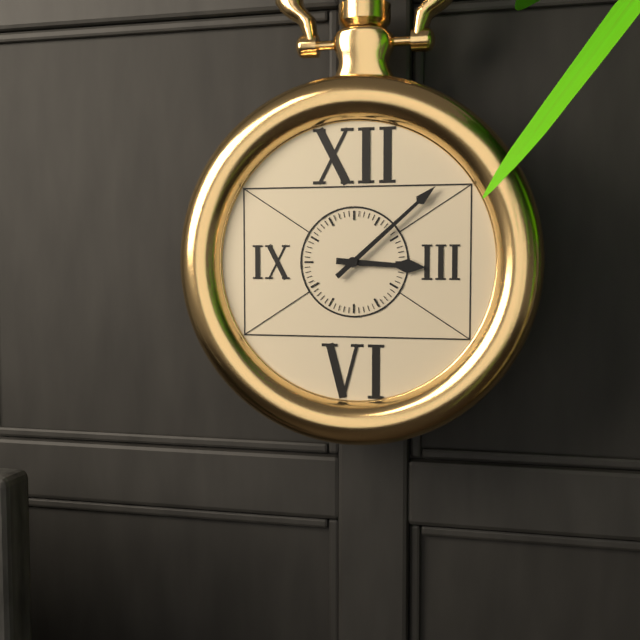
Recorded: 3h08
